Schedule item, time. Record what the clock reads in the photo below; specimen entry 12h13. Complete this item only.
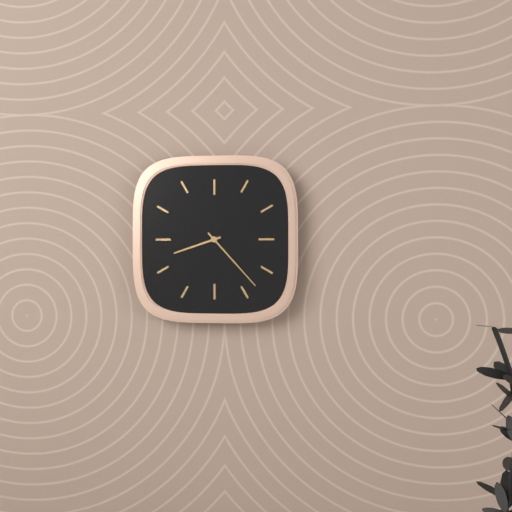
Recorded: 8h23
